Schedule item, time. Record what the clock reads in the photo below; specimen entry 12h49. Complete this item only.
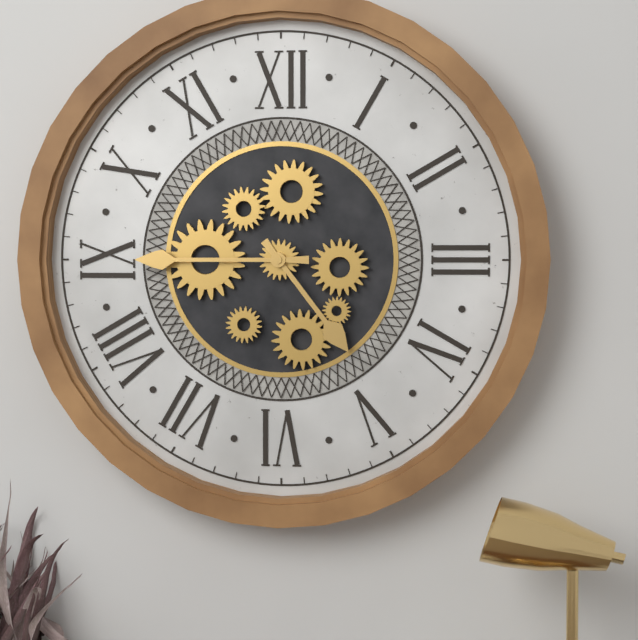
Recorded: 4h45
